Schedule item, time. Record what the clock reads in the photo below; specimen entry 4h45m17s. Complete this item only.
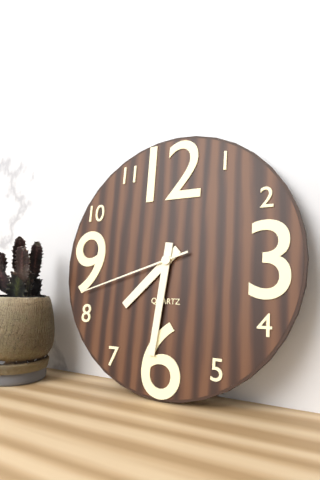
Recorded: 7h31m42s
